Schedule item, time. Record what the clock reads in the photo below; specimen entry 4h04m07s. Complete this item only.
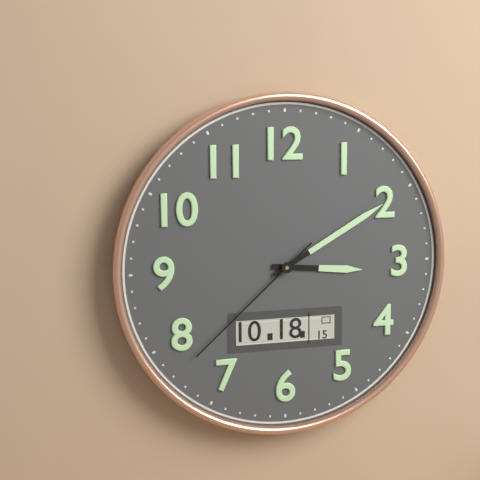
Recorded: 3h10m38s
